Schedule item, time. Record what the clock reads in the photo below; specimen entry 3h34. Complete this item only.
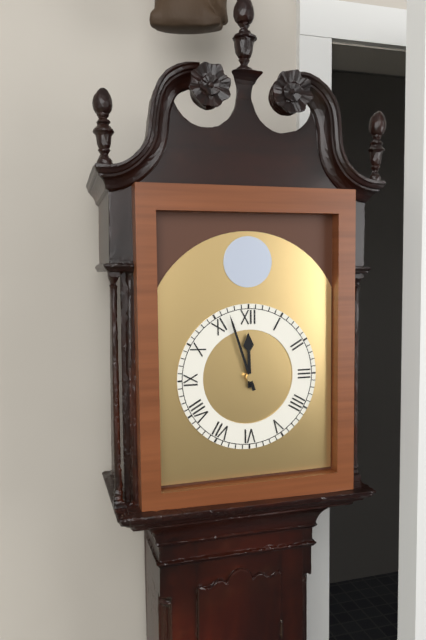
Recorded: 11h57
